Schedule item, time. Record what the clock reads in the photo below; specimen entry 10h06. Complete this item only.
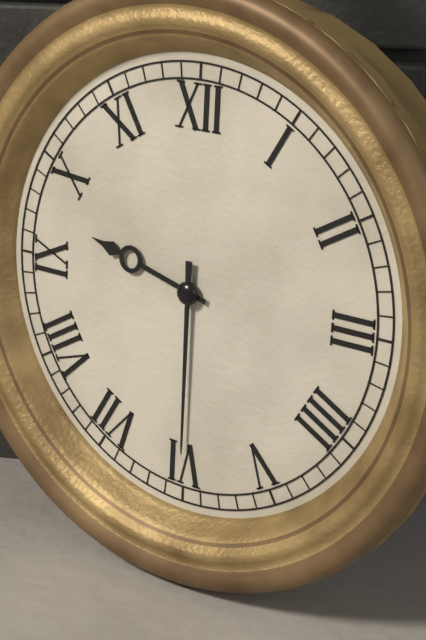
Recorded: 9h30
